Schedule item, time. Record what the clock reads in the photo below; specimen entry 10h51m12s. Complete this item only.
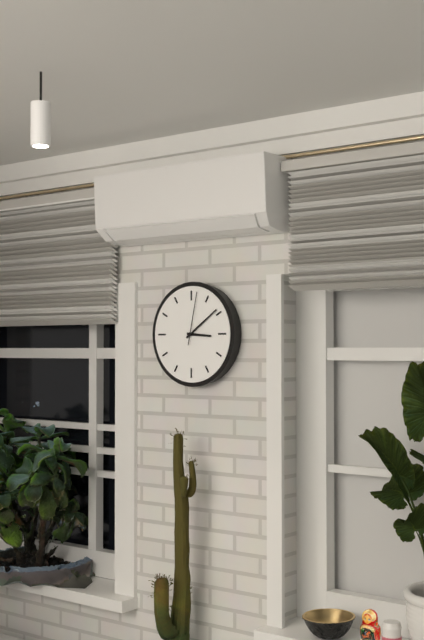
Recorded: 3h09m02s
